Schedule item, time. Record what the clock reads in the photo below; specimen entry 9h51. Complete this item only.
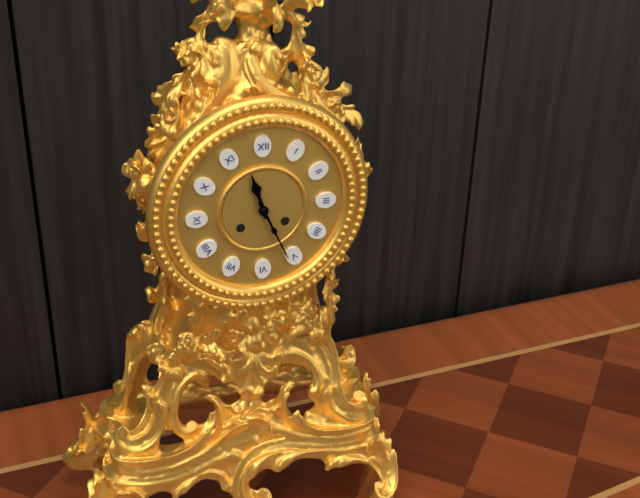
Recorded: 11h26
